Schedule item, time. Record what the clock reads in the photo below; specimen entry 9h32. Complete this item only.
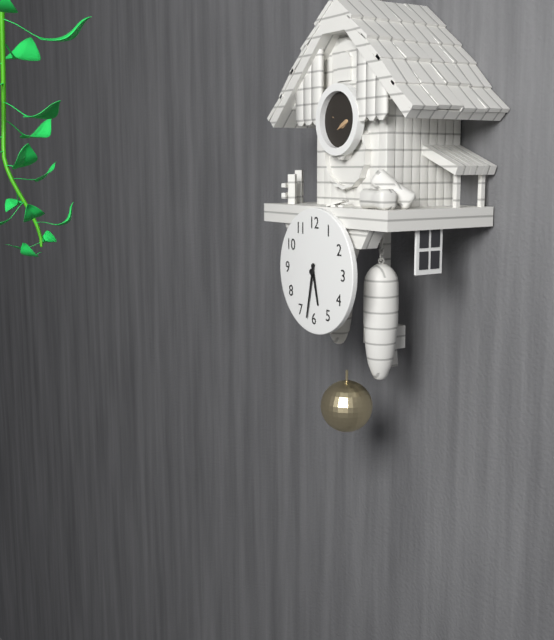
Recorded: 5h32
